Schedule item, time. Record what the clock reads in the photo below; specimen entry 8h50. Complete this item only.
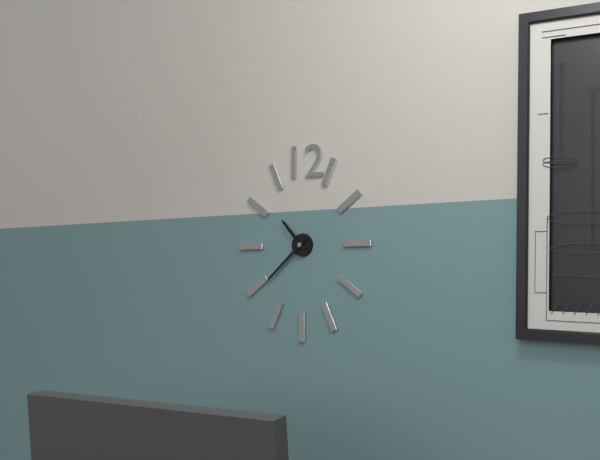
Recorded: 10h38
